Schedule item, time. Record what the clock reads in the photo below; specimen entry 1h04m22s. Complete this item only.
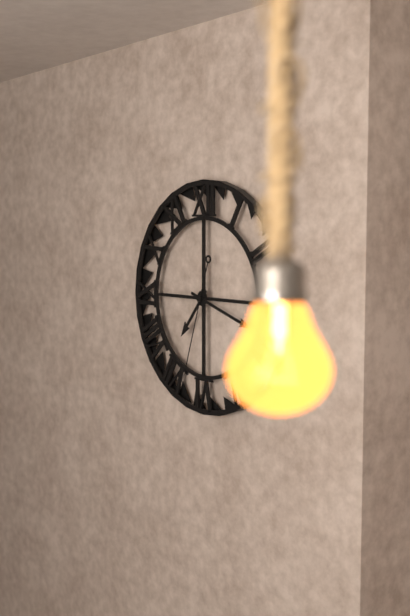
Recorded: 7h18m33s
